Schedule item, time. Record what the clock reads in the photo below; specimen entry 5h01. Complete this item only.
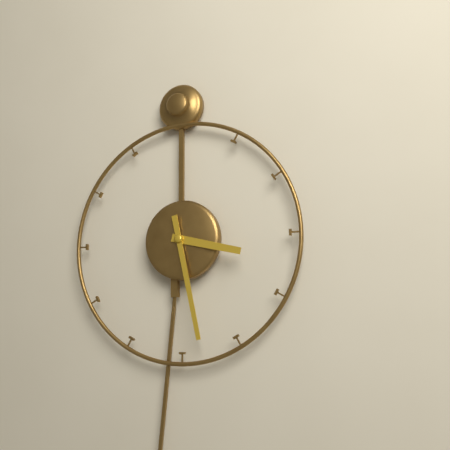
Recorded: 3h28
